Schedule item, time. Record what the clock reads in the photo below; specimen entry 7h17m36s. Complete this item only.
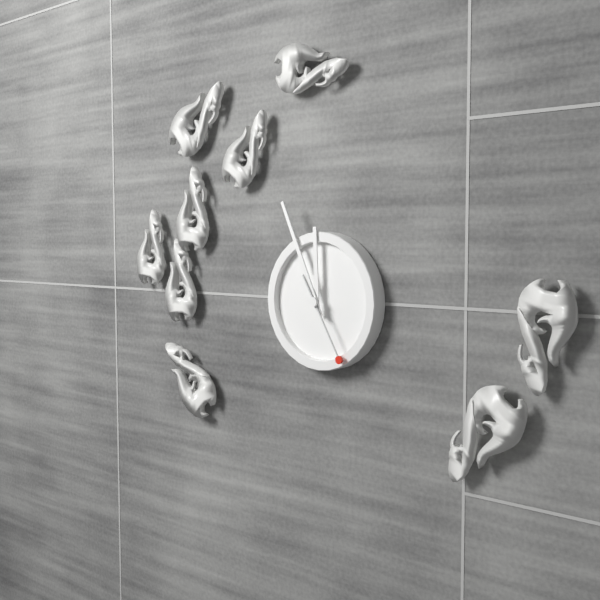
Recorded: 11h56m25s
